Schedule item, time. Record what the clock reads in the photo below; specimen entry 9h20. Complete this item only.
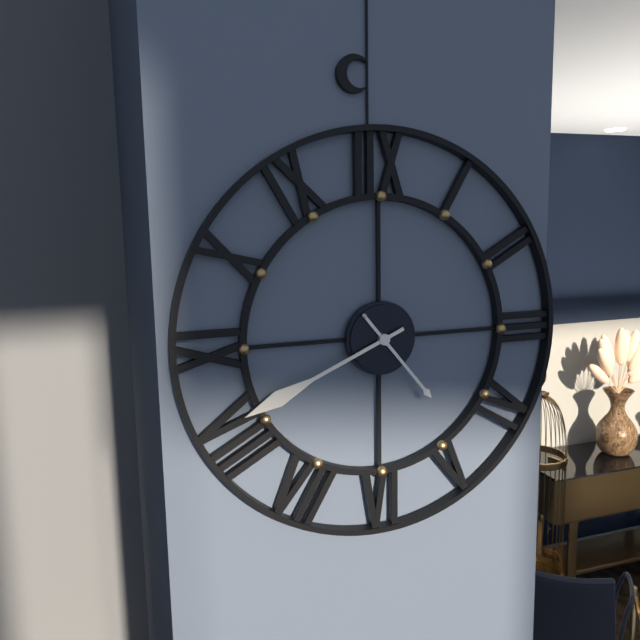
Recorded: 4h41
